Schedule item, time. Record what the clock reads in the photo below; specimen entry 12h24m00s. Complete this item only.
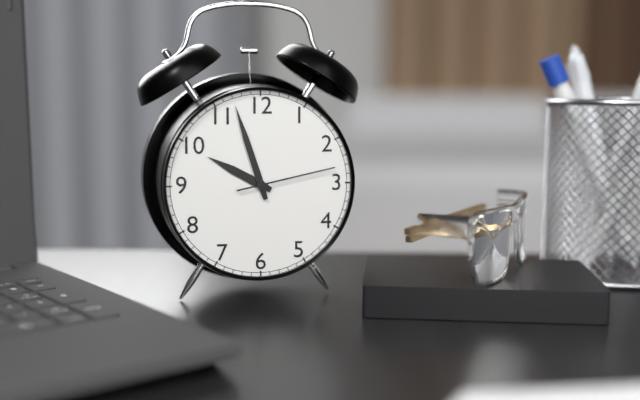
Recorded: 9h57m13s
